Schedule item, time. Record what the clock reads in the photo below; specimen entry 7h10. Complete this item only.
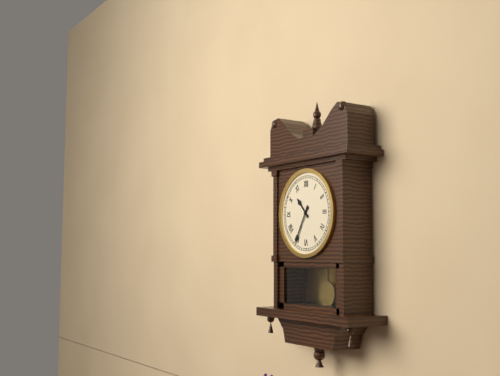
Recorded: 10h35
